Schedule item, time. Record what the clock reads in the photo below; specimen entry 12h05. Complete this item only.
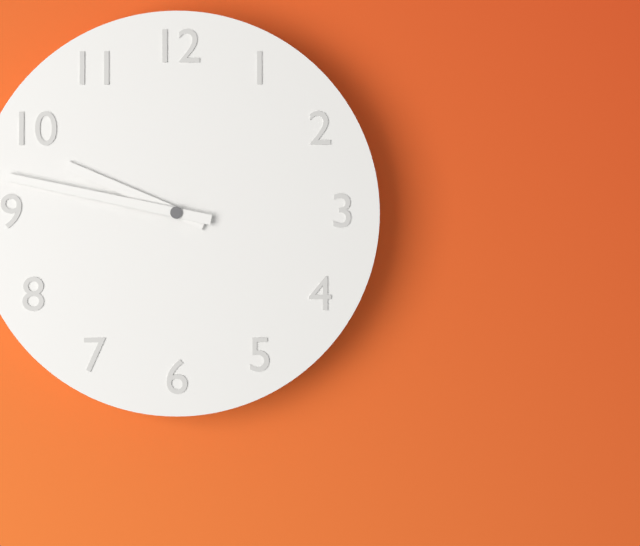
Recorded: 9h47
